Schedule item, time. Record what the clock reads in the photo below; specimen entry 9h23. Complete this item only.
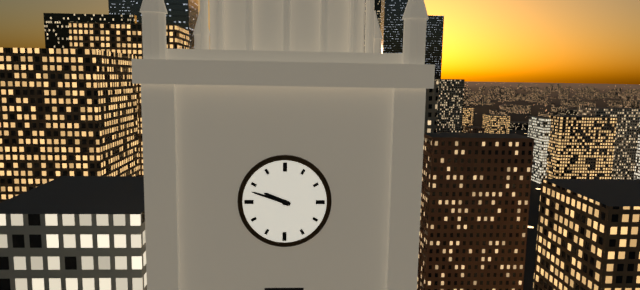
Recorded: 9h48
